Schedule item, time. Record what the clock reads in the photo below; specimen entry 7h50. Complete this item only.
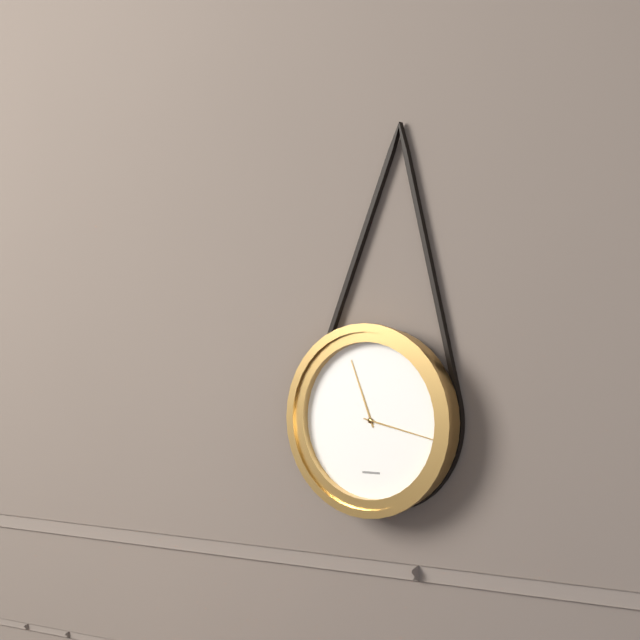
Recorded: 11h17
